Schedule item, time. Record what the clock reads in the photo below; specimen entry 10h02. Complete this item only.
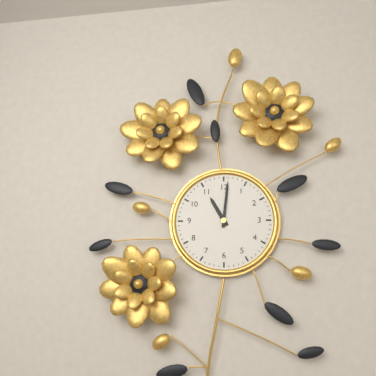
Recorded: 11h01
